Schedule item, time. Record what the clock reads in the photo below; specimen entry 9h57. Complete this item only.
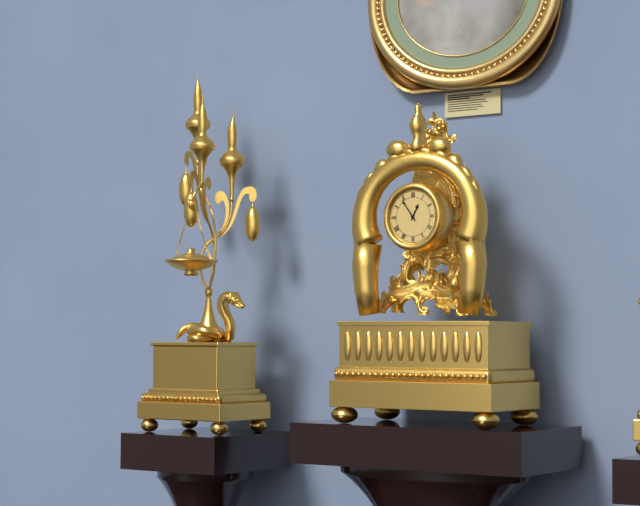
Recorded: 12h54
